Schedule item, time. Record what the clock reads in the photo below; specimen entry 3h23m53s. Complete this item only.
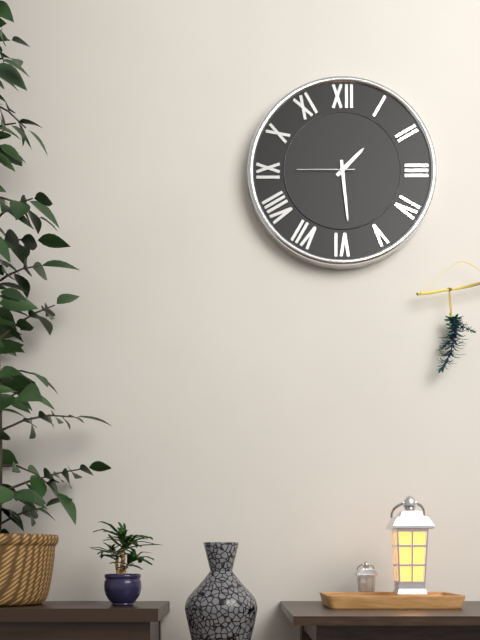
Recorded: 1h29m45s
